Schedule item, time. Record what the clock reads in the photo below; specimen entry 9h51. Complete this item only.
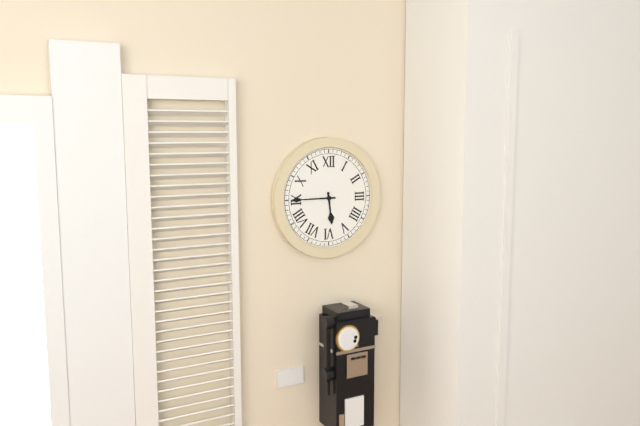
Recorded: 5h45
